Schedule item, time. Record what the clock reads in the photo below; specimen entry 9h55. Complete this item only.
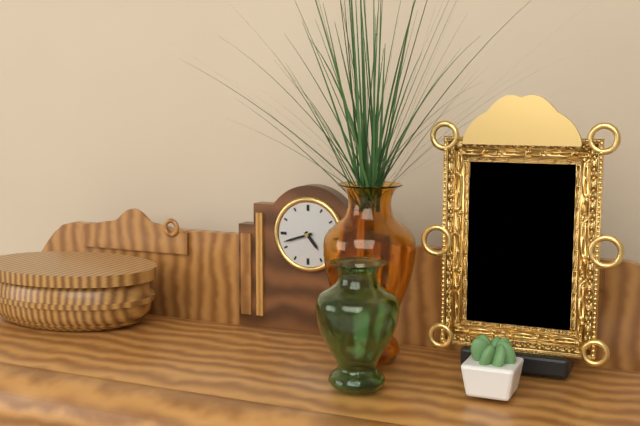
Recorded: 4h42
